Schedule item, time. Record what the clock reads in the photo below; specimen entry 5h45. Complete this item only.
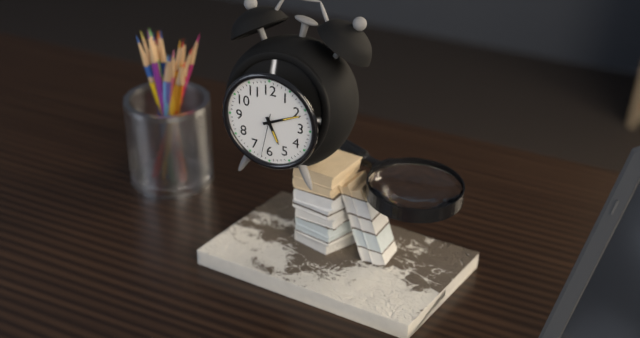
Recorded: 5h11
